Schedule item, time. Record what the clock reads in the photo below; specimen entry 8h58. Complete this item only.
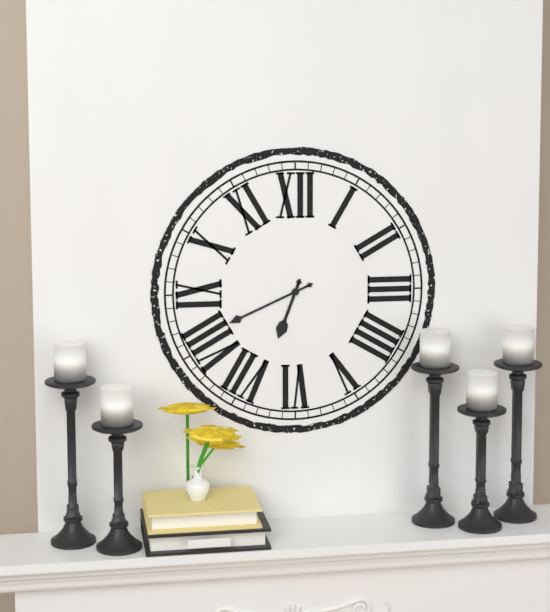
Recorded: 6h41
